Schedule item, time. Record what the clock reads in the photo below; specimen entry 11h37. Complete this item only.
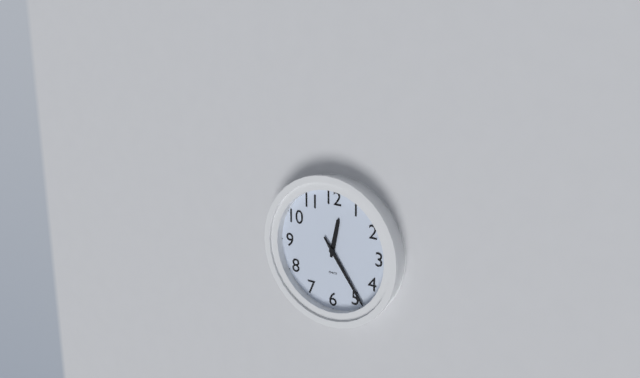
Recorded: 12h24
